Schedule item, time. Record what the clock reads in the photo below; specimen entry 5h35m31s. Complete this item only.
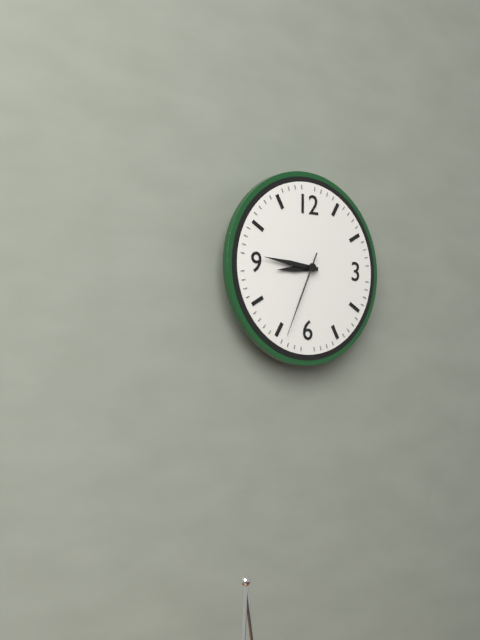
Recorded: 8h46m34s
